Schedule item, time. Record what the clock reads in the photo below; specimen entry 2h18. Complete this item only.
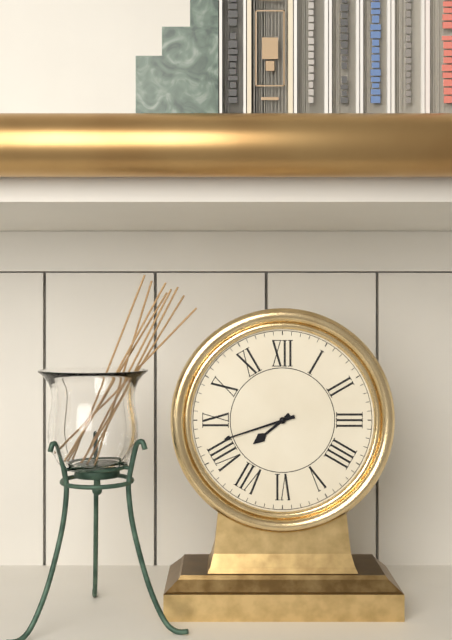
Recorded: 7h42
